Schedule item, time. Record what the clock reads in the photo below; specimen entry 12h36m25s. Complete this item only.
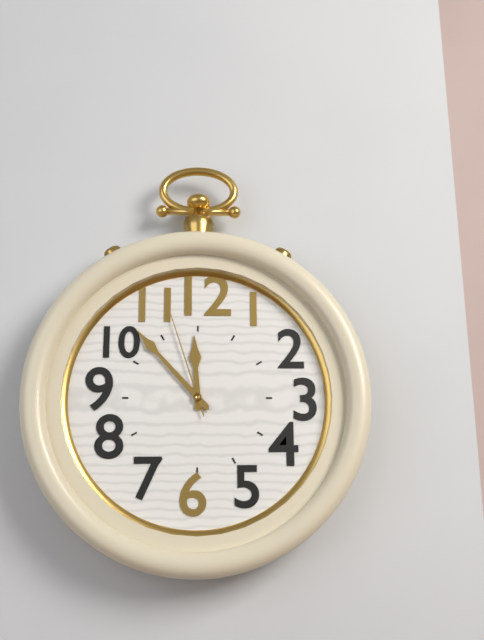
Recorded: 11h53m57s
